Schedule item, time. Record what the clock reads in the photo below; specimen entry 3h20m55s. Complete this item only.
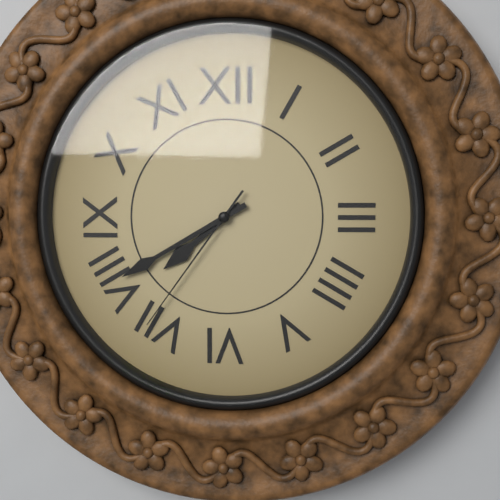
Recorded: 7h40m36s
